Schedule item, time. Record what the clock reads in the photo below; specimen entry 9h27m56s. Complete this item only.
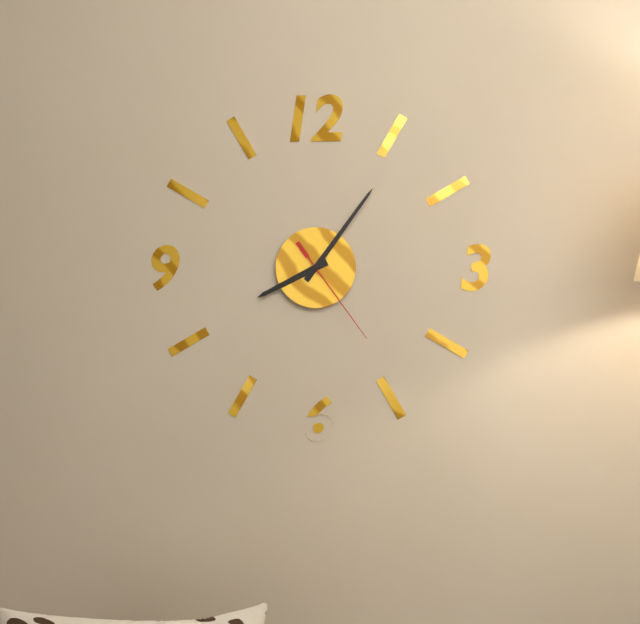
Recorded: 8h06m24s
